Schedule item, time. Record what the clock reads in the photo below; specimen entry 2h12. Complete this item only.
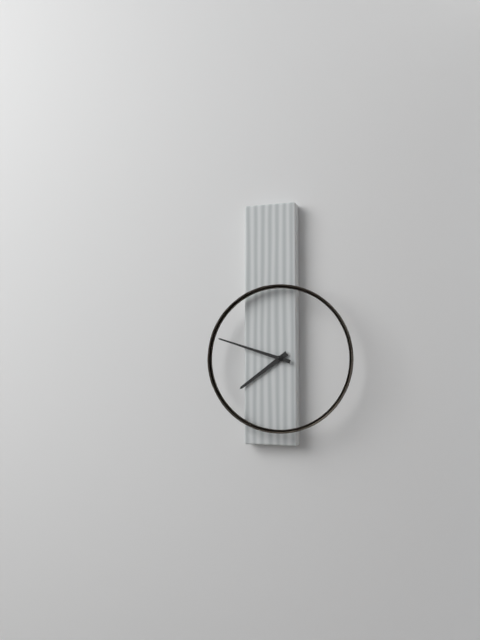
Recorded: 7h48
